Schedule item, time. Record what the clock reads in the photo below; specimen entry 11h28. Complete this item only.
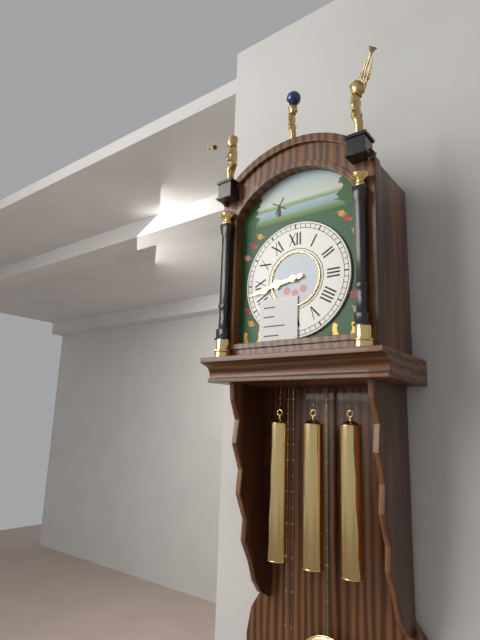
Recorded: 8h43
